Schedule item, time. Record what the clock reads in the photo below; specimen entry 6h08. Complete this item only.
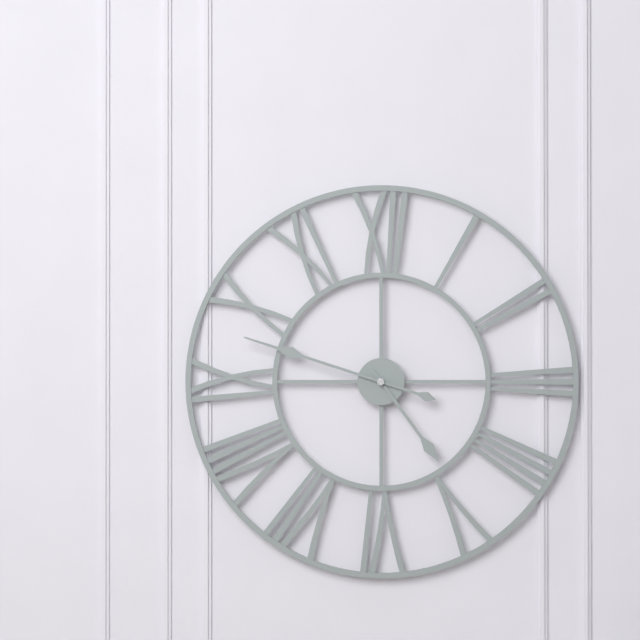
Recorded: 4h48
